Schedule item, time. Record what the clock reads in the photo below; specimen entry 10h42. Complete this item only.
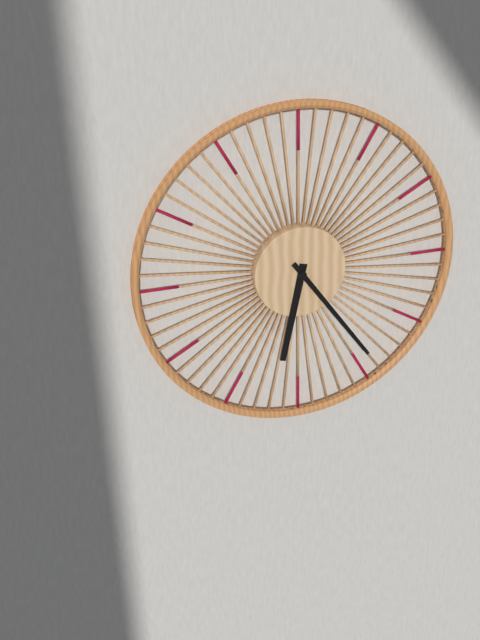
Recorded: 6h24
